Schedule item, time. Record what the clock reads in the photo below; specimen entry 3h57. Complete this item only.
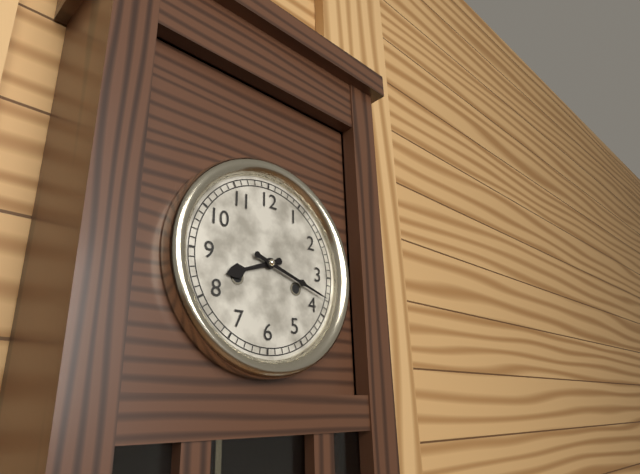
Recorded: 8h18
